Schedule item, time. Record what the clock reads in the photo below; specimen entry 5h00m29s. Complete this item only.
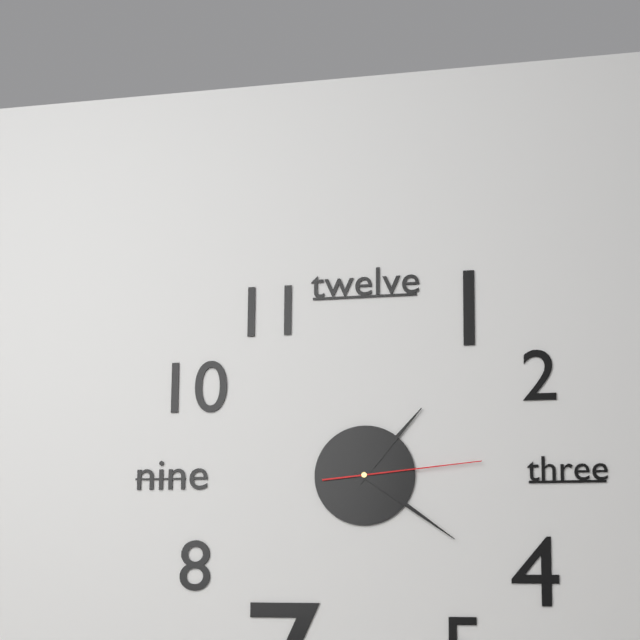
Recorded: 1h21m14s
